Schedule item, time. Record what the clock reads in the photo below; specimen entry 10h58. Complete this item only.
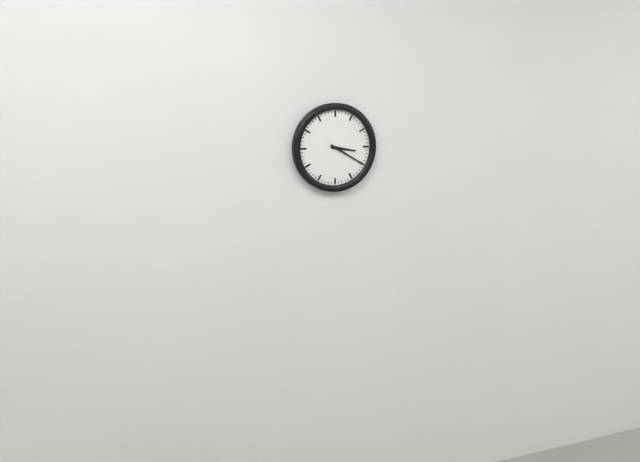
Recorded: 3h20
